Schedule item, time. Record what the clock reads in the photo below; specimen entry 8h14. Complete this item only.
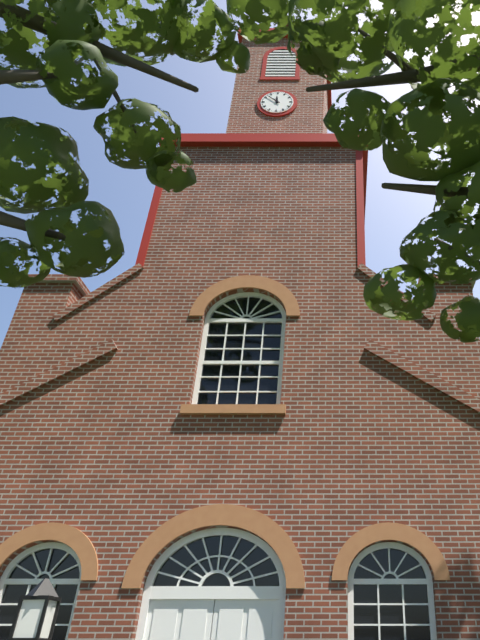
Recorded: 11h52
